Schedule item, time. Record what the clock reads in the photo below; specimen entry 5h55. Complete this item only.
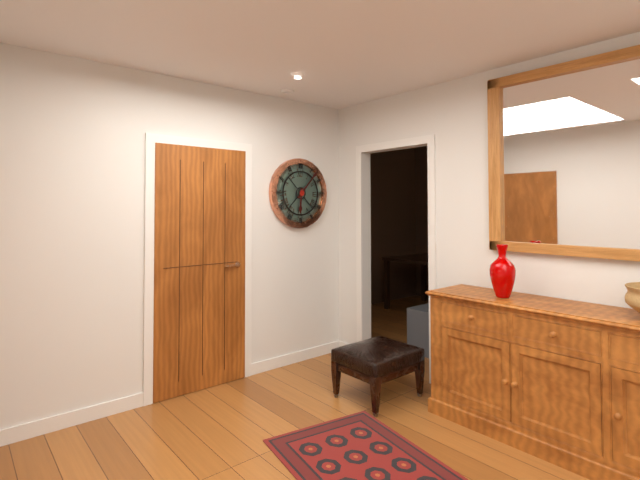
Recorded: 6h07
